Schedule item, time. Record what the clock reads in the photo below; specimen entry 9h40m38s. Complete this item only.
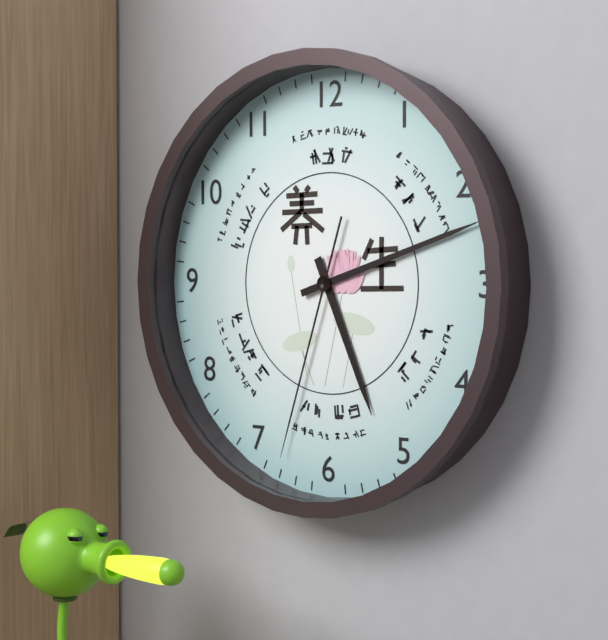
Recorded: 5h12m33s
